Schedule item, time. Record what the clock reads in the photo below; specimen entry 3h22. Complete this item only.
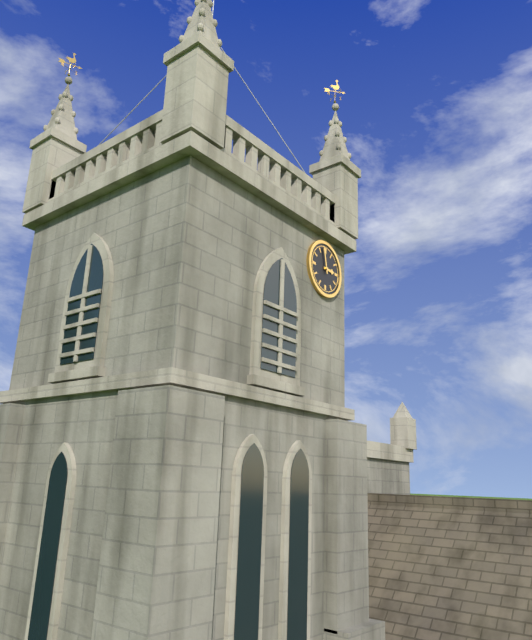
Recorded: 2h58
